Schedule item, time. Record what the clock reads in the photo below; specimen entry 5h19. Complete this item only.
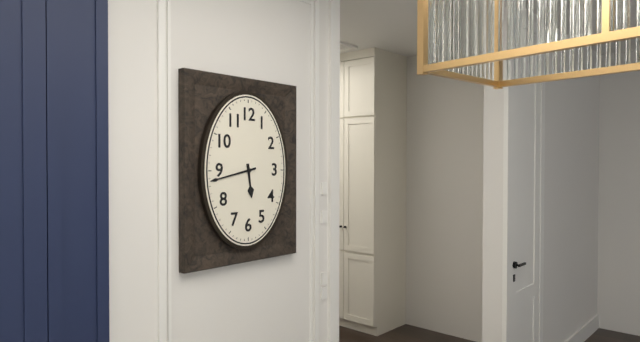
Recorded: 5h43
